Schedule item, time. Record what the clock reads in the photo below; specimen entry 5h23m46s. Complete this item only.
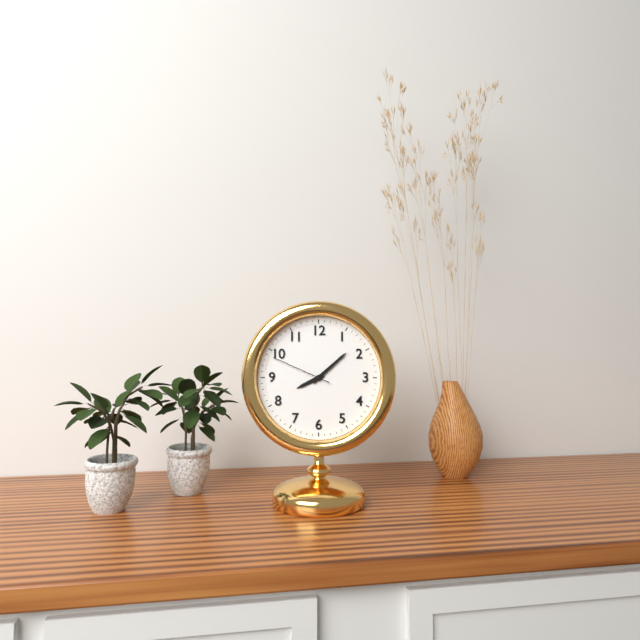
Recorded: 8h08m49s
